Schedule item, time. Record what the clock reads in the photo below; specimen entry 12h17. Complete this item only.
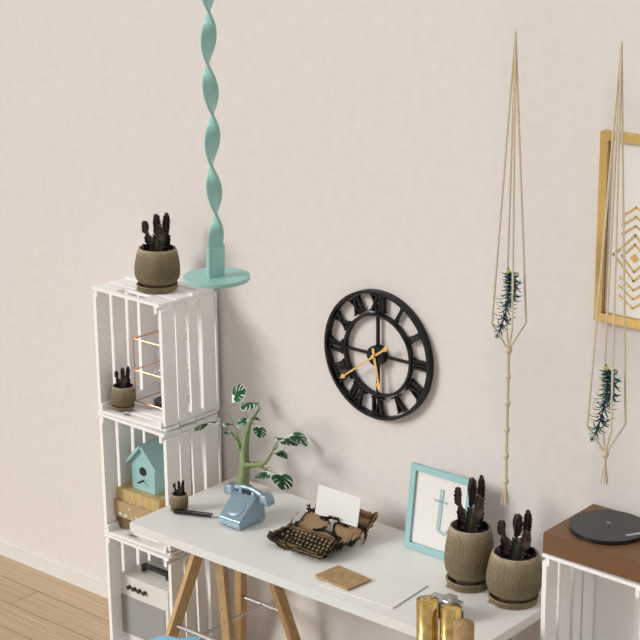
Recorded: 5h39
